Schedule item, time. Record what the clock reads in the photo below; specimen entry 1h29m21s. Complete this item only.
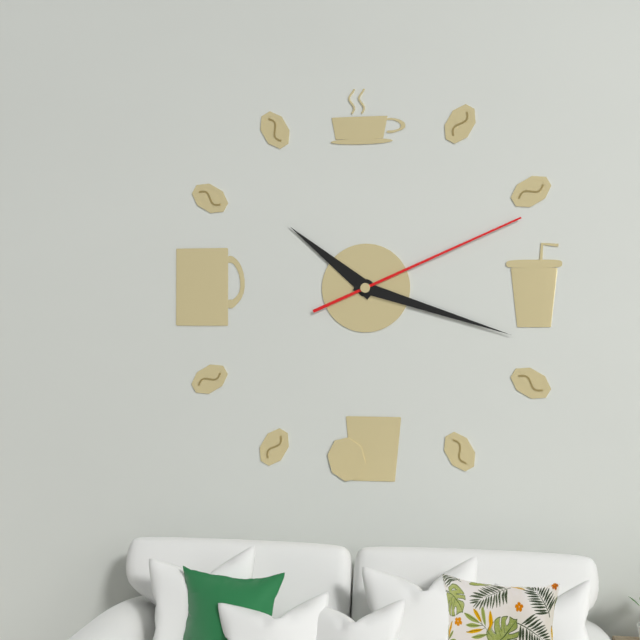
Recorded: 10h18m11s
